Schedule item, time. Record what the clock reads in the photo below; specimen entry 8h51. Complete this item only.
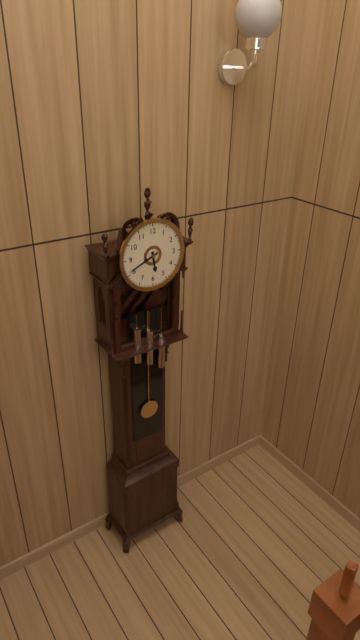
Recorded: 5h41
